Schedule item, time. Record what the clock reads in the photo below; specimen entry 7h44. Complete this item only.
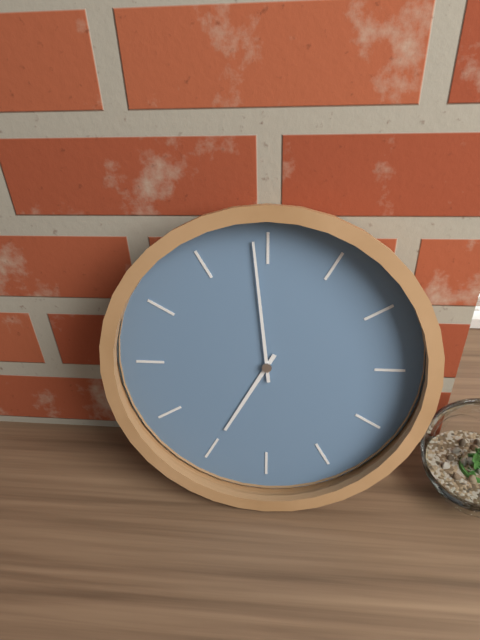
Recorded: 6h59
